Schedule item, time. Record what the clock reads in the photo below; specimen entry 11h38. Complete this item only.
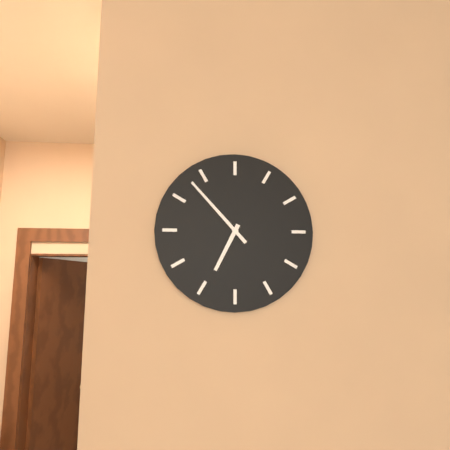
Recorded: 6h53
